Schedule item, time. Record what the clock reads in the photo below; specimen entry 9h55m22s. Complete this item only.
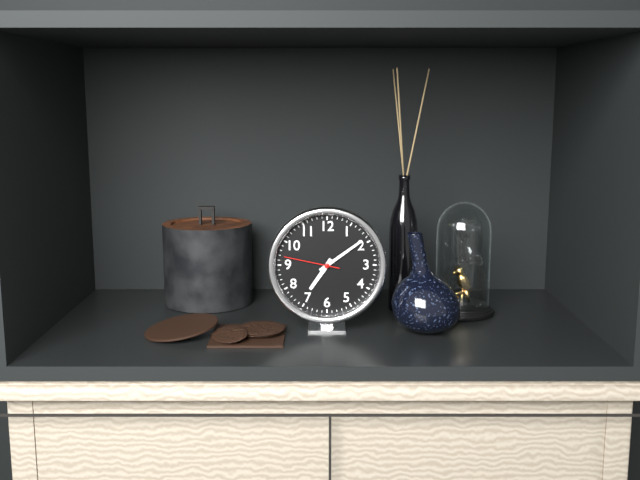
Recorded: 7h09m47s
